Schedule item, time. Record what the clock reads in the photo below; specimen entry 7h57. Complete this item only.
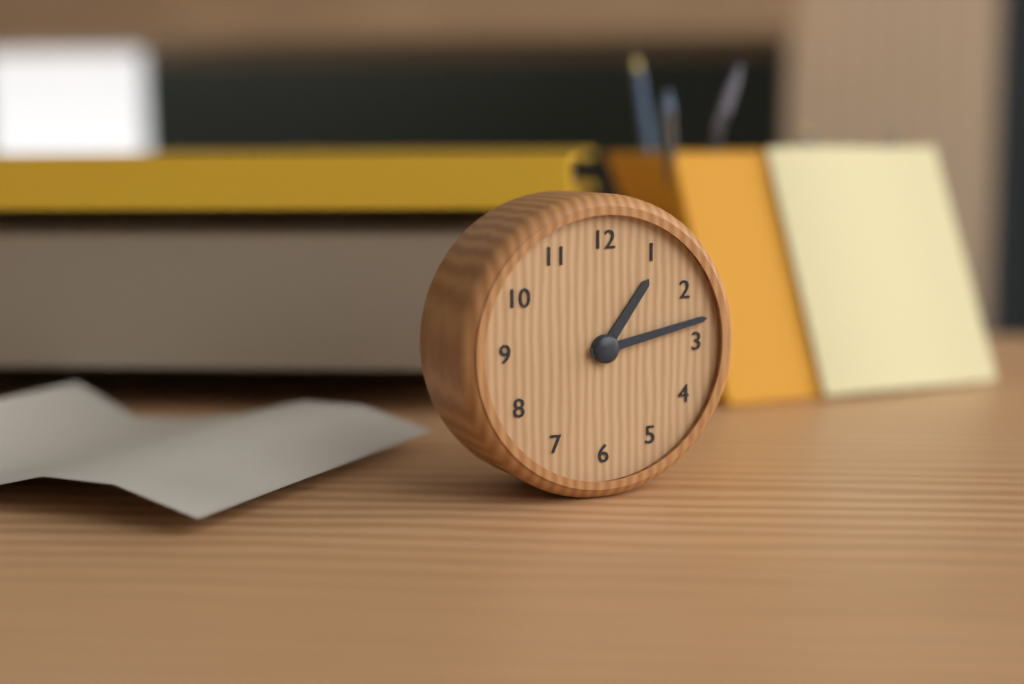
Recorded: 1h13
